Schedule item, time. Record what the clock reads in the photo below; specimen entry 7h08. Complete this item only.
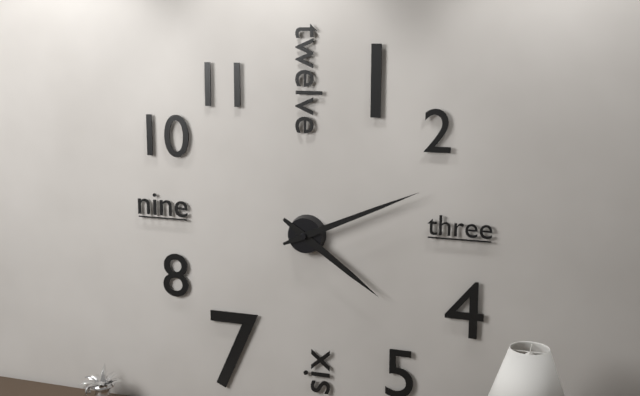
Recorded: 4h11
